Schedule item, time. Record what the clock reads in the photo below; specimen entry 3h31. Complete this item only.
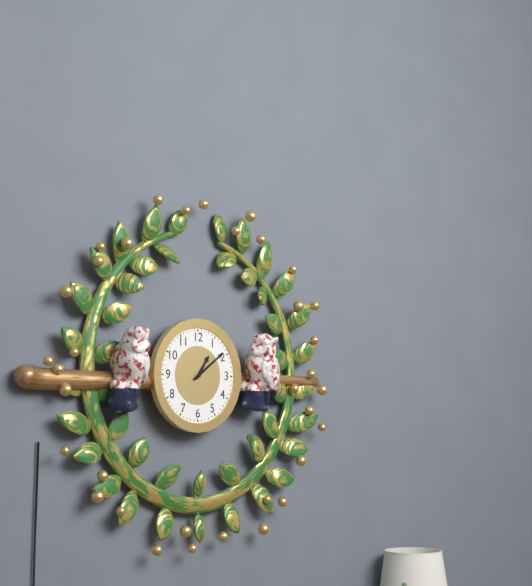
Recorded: 1h09
